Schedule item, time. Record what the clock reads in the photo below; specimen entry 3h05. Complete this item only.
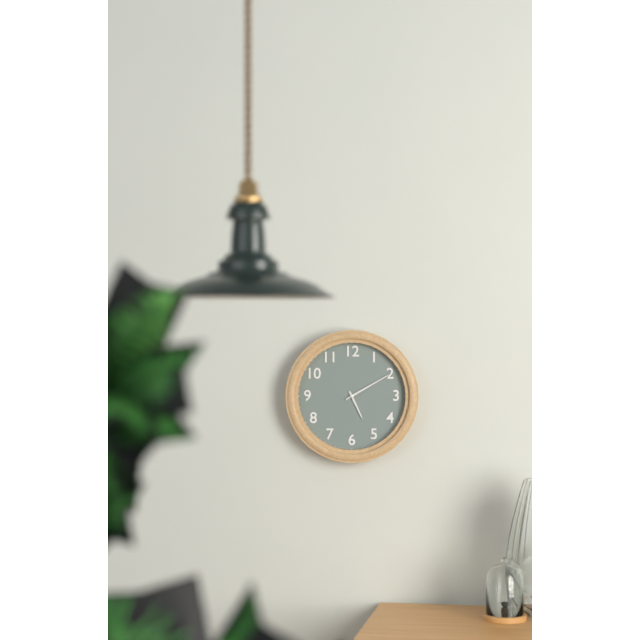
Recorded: 5h10
